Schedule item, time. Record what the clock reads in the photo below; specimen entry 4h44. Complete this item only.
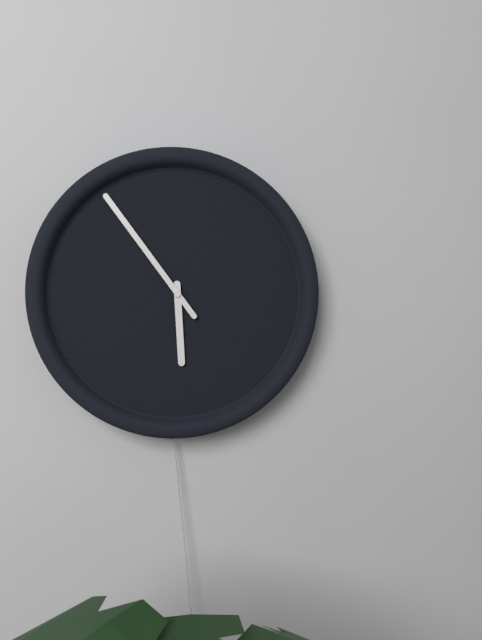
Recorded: 5h54
